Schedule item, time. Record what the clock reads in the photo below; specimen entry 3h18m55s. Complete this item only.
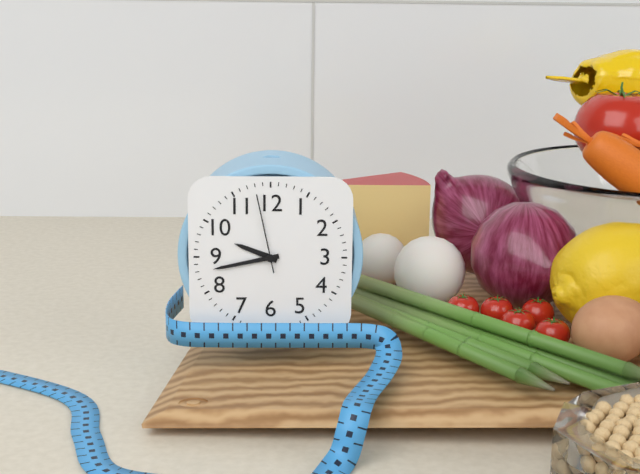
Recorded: 9h43m58s
